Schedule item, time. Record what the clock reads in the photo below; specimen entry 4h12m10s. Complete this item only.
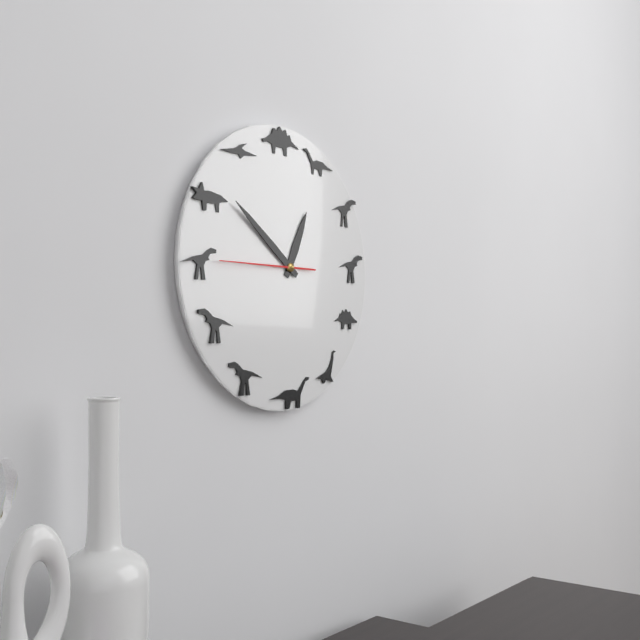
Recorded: 12h51m45s
